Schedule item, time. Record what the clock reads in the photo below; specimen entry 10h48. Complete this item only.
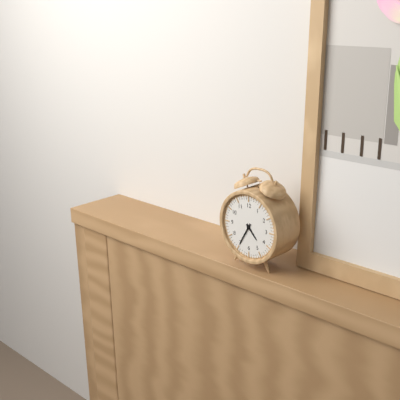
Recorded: 4h35
